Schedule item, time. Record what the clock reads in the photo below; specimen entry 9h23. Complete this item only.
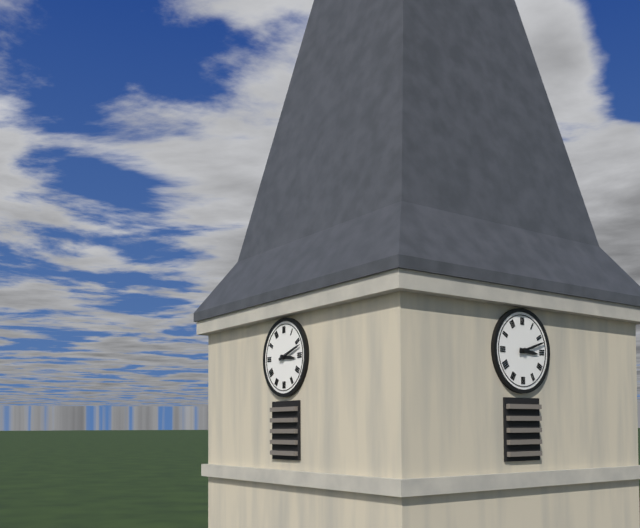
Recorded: 3h12
